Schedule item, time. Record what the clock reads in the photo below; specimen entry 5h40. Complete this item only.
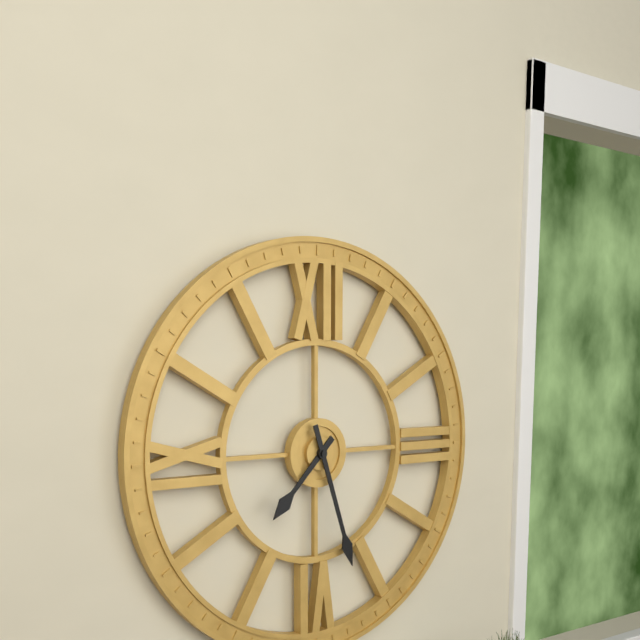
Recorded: 7h27
